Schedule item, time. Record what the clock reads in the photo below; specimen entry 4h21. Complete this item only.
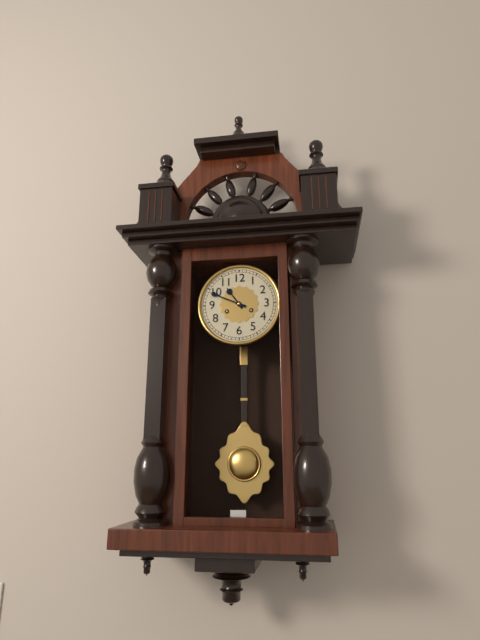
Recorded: 10h49
